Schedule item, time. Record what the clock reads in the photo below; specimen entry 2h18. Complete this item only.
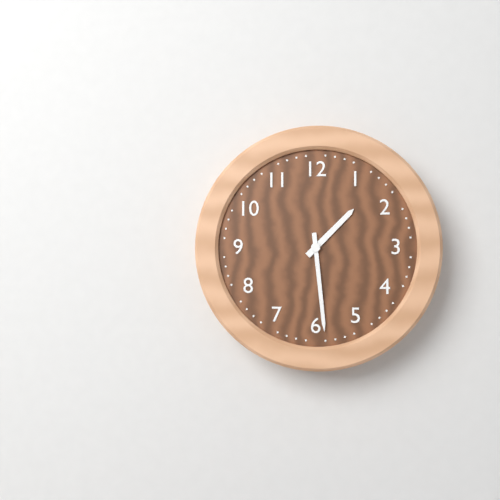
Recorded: 1h29
